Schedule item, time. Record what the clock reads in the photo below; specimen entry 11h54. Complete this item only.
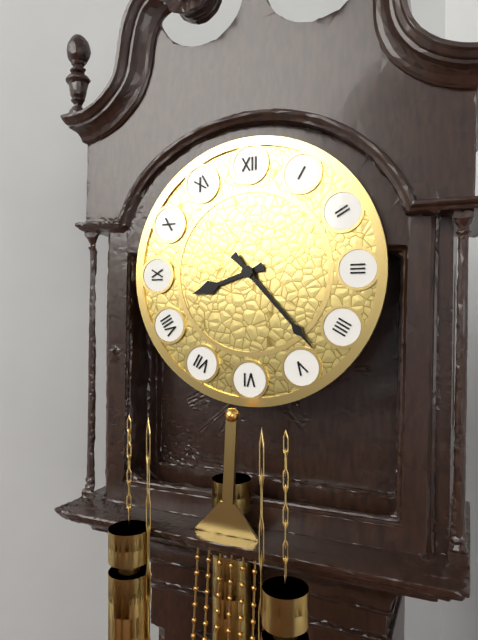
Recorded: 8h23
